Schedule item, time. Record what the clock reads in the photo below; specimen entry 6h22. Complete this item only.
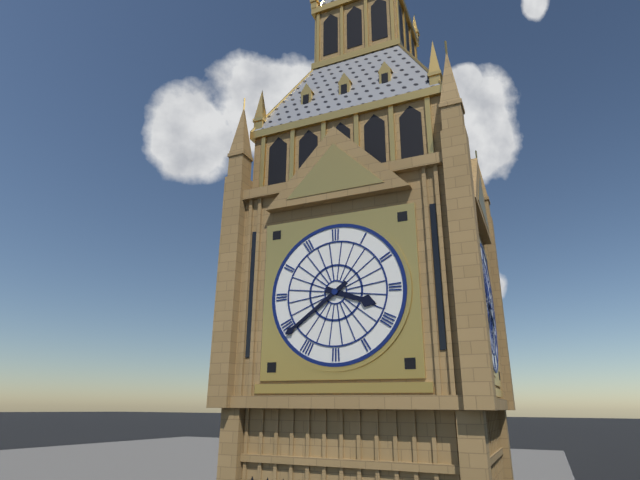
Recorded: 3h39
